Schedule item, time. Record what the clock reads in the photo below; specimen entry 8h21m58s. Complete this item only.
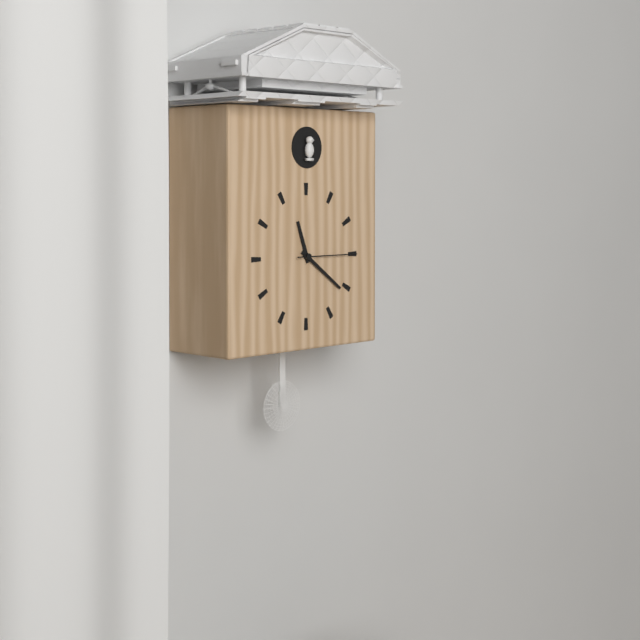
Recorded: 11h21m15s
